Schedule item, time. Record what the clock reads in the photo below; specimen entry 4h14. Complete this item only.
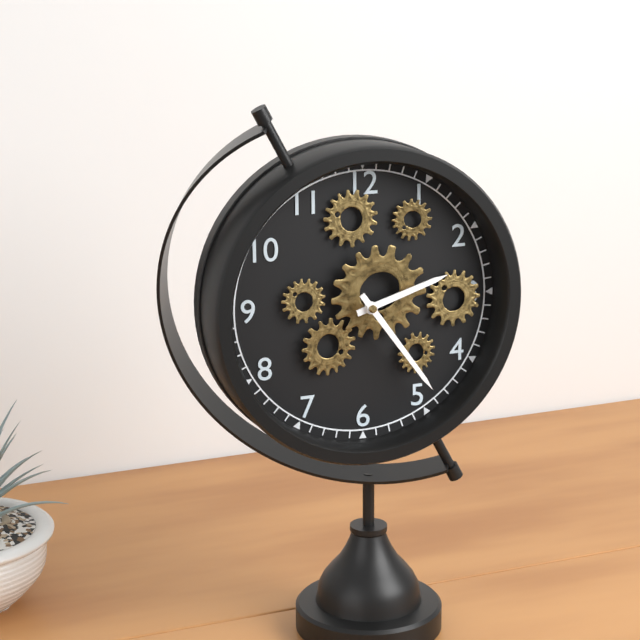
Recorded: 2h24
